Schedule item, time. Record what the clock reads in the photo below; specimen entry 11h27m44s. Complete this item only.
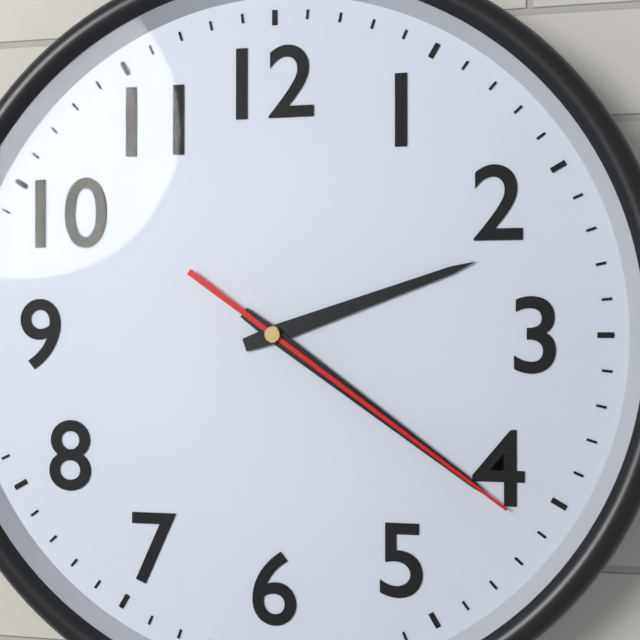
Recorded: 2h21m21s
